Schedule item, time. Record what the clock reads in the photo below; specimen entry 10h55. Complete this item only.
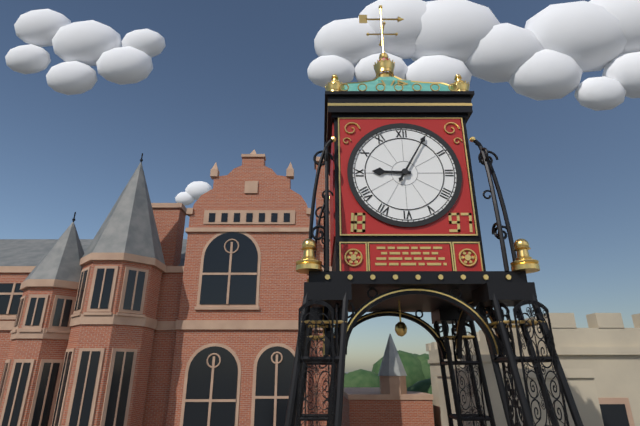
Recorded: 9h05
